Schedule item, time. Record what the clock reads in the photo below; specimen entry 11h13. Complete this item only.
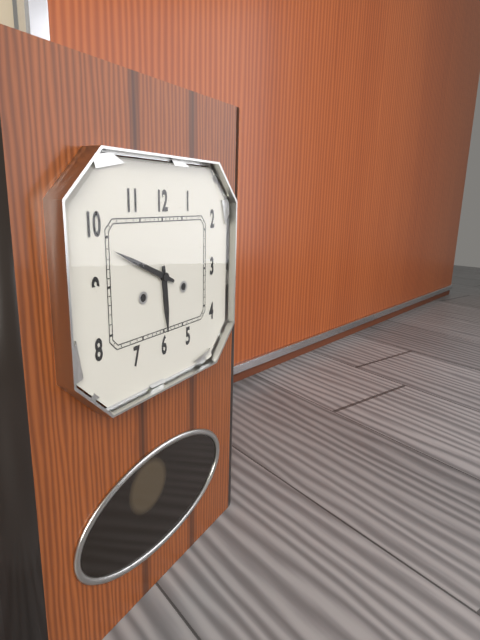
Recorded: 5h49
